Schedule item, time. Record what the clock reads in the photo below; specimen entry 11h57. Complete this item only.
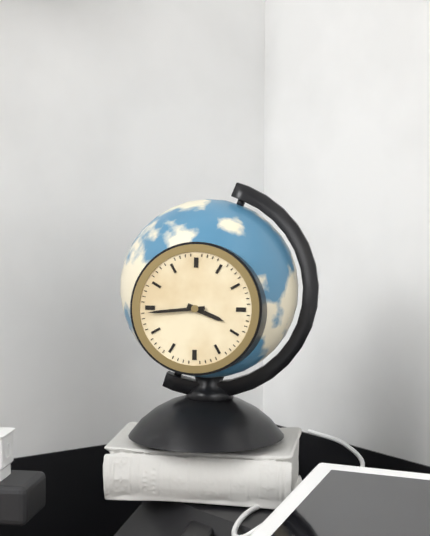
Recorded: 3h44
